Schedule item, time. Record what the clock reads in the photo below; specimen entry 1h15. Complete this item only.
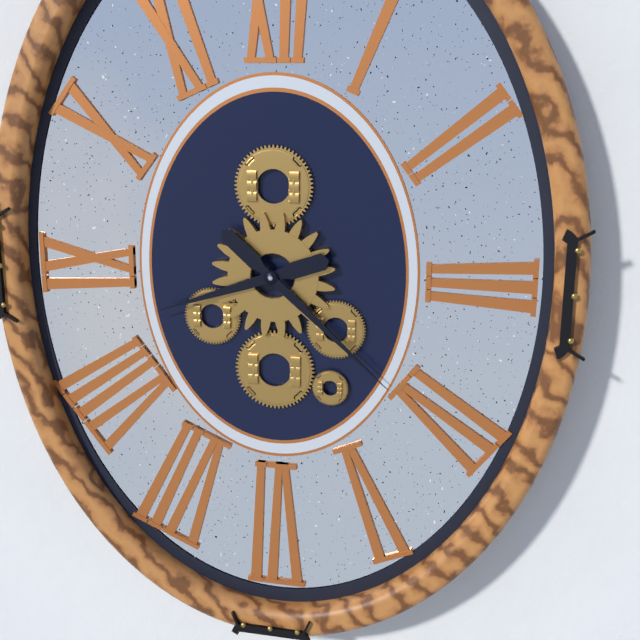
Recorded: 8h22
